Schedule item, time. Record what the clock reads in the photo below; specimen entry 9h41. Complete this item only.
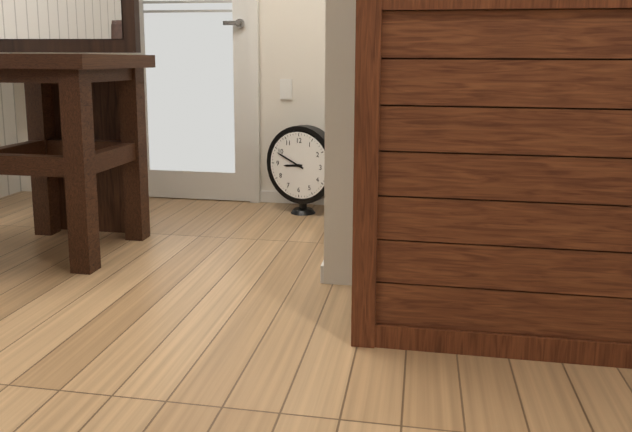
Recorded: 8h49
